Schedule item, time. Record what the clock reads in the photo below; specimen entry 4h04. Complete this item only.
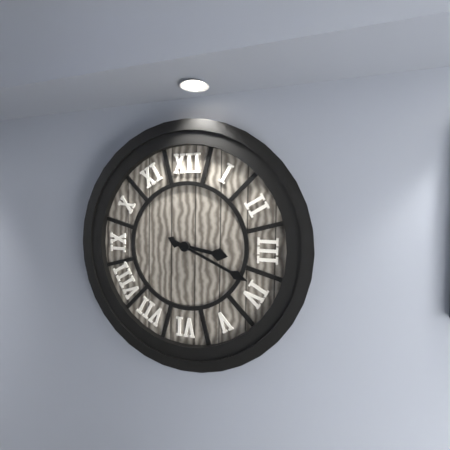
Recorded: 3h19
